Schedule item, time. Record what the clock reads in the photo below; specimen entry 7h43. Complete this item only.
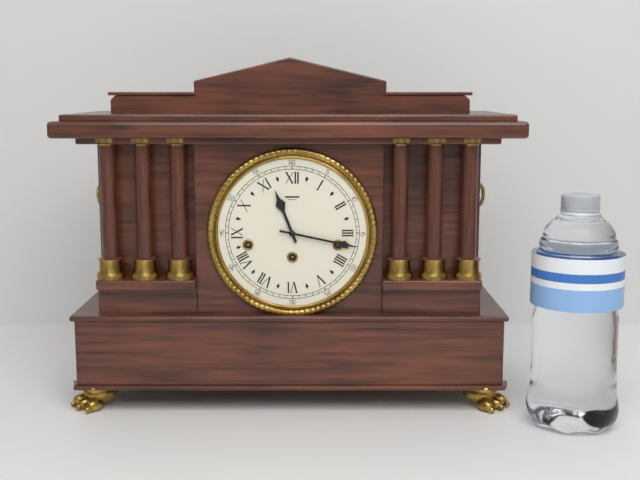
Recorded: 11h17
